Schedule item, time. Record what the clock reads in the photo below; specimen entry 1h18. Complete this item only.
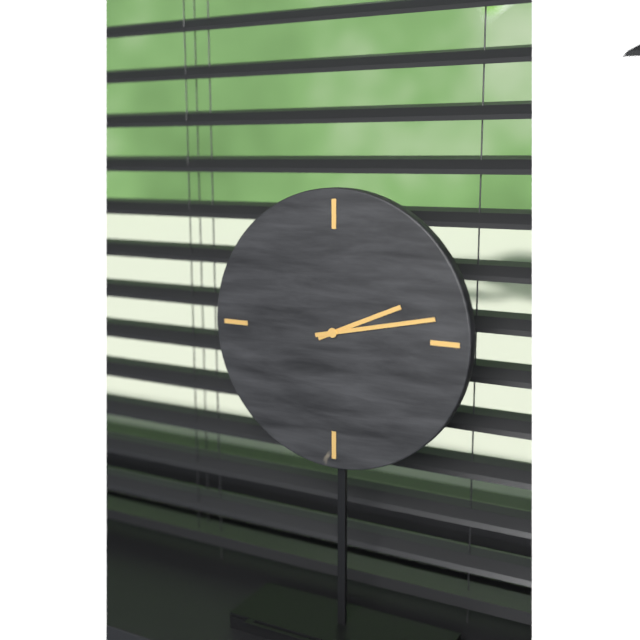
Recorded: 2h13
